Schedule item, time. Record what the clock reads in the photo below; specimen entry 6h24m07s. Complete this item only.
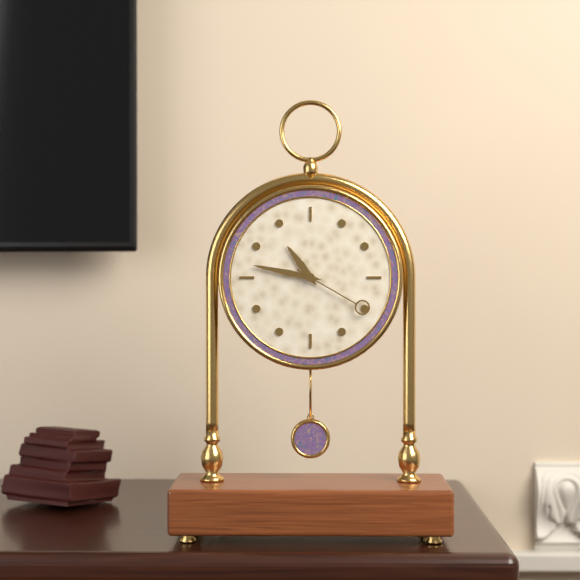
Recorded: 10h47m20s
